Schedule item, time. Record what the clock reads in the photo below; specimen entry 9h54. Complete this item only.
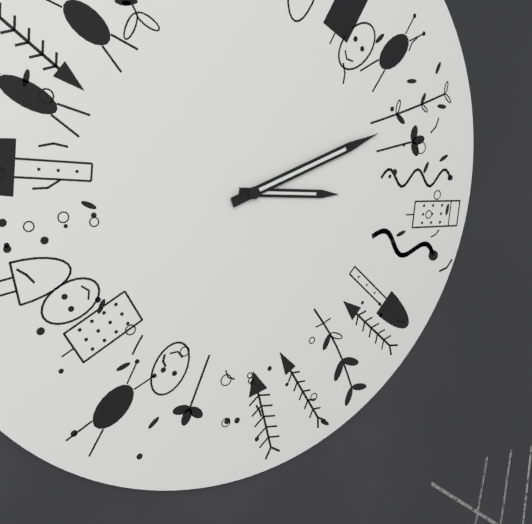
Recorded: 3h12
